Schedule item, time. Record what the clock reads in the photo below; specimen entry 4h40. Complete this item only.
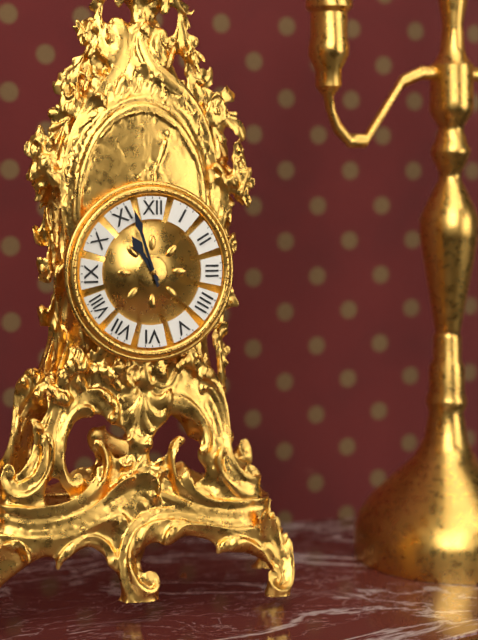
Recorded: 10h57
